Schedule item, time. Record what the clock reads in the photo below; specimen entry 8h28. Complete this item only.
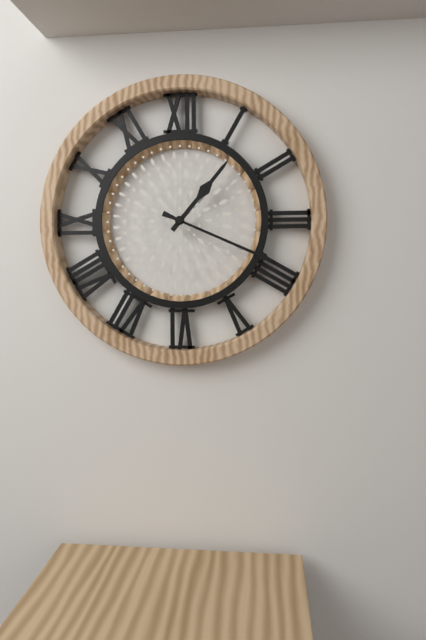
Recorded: 1h19
